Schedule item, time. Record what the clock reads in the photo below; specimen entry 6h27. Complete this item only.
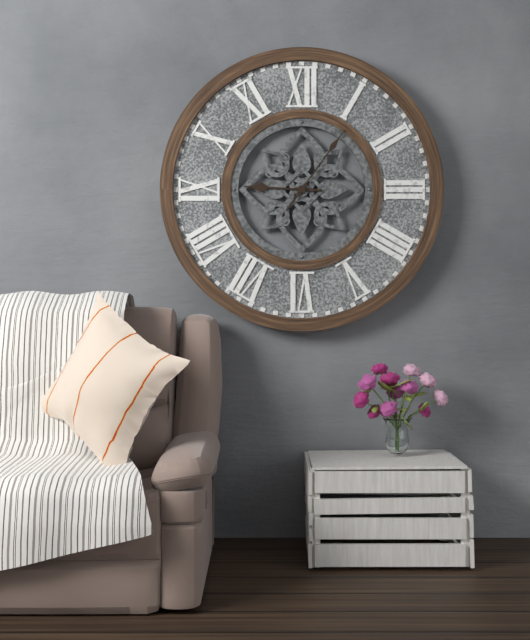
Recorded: 9h06
